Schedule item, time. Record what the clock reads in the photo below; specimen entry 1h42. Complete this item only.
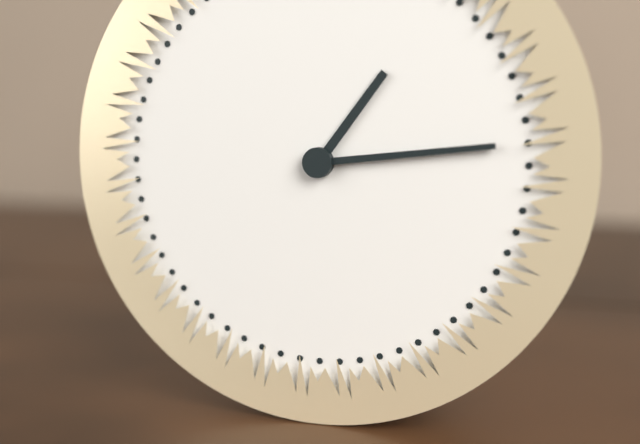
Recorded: 1h14
